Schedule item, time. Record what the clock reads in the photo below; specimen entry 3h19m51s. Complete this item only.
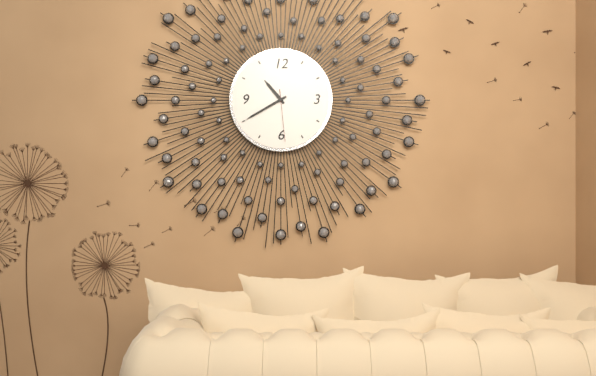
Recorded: 10h40m29s
